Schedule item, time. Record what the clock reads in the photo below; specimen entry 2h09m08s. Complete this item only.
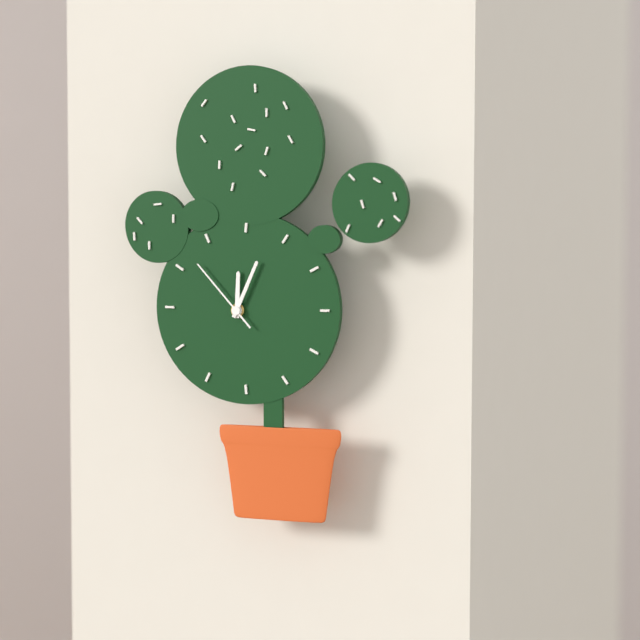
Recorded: 12h04m53s
